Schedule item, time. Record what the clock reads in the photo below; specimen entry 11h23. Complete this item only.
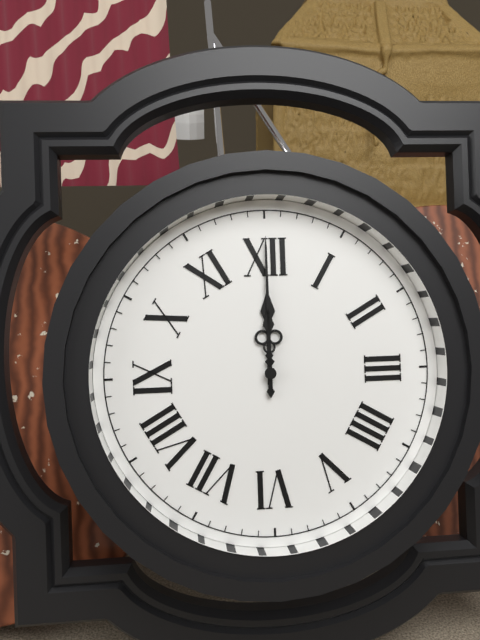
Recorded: 12h00
